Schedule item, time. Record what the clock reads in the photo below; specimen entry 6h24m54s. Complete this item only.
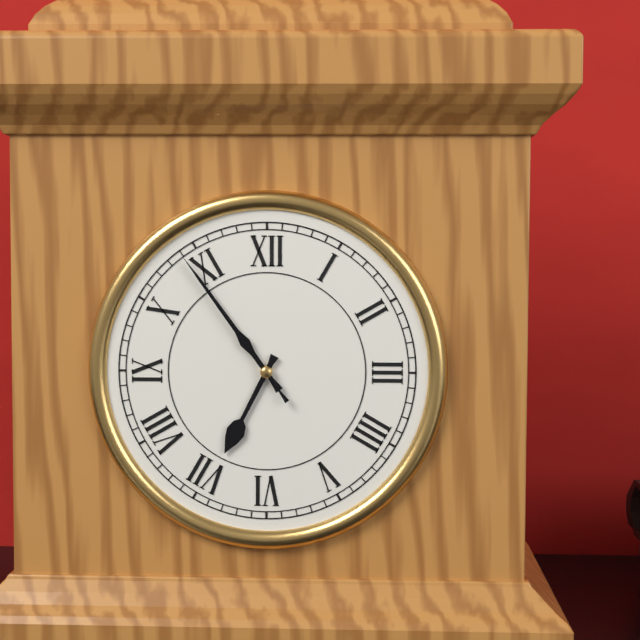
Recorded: 6h54m54s
